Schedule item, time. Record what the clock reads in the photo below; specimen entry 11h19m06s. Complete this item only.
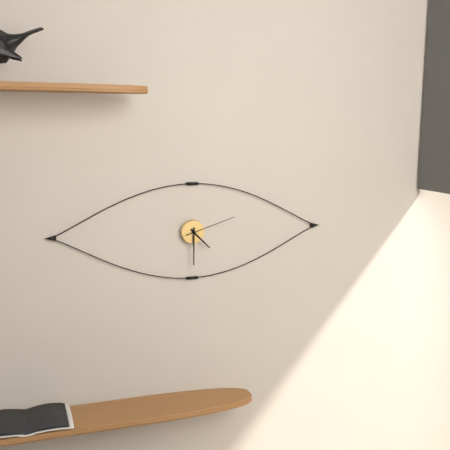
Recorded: 4h30m12s
